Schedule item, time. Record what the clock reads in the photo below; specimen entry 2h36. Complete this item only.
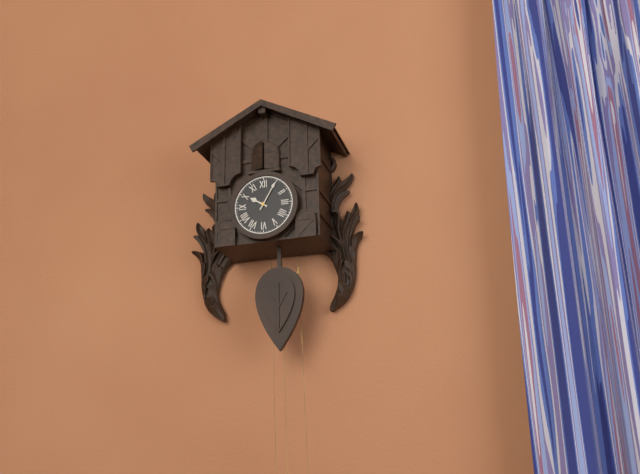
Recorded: 10h05
